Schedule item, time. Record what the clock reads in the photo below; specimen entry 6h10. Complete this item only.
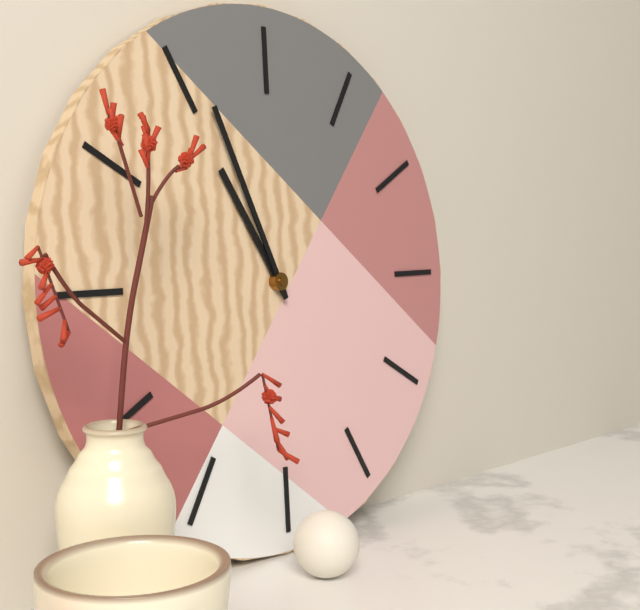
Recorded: 10h56
